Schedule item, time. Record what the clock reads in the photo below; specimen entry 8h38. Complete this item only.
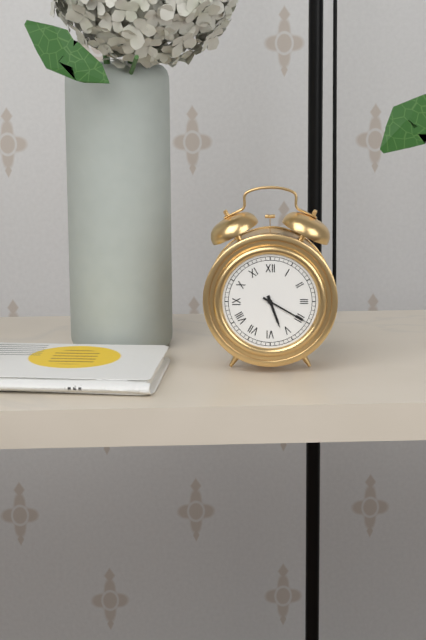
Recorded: 5h20
